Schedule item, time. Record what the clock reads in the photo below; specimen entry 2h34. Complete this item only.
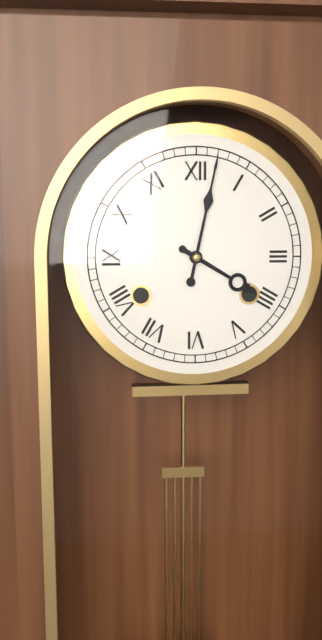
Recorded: 4h02
